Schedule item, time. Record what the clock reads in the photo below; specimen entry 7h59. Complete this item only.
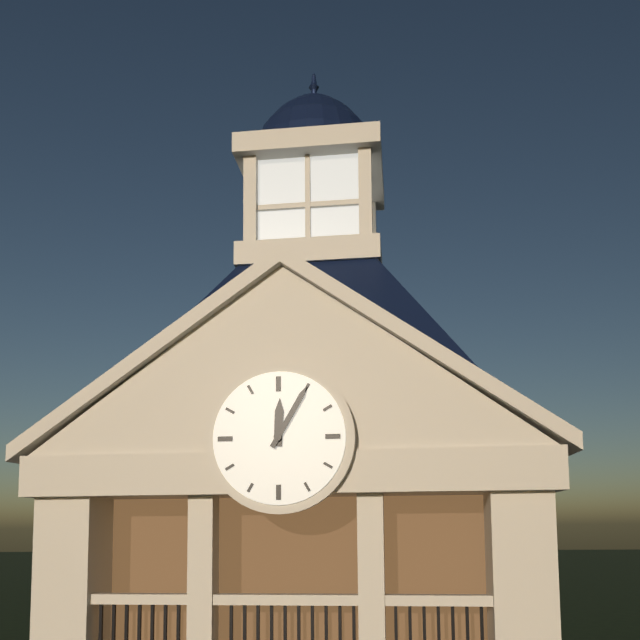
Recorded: 12h05
